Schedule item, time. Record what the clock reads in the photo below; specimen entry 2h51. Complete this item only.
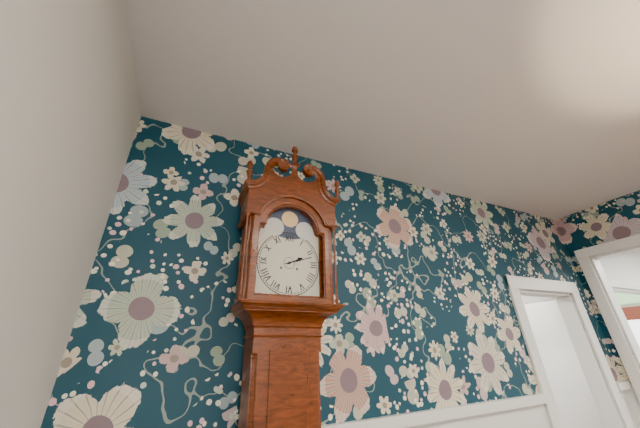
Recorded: 2h12
